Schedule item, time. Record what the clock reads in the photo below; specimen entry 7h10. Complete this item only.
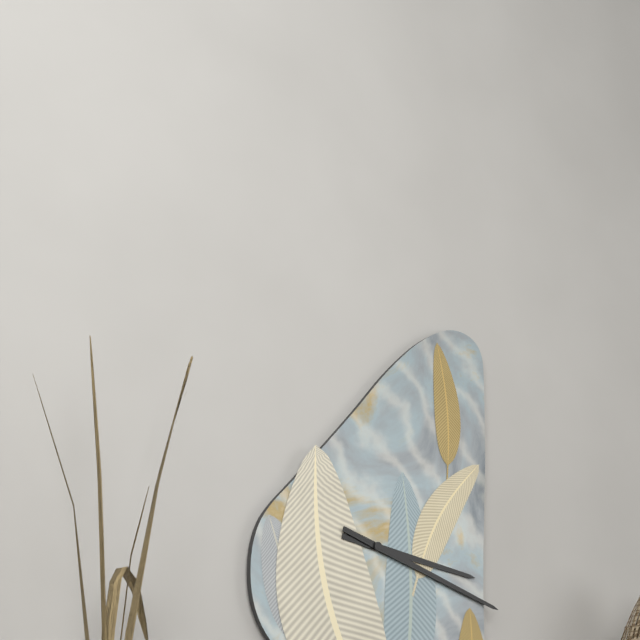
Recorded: 3h18
